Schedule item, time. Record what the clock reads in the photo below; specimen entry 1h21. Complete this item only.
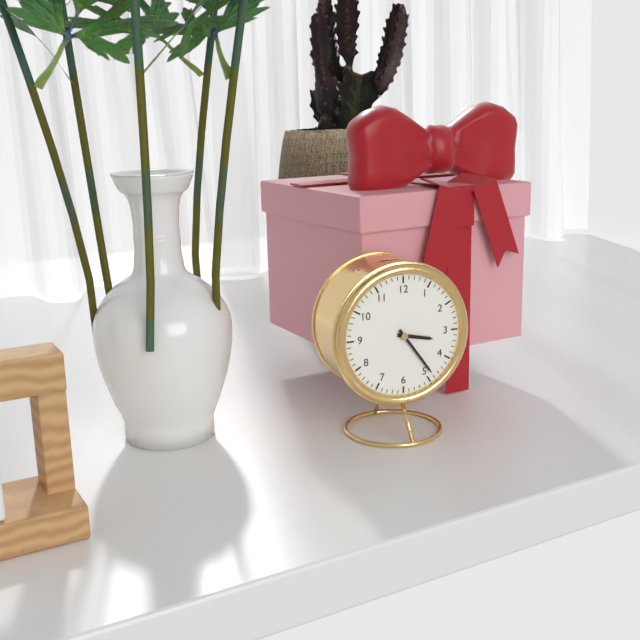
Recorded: 3h24
